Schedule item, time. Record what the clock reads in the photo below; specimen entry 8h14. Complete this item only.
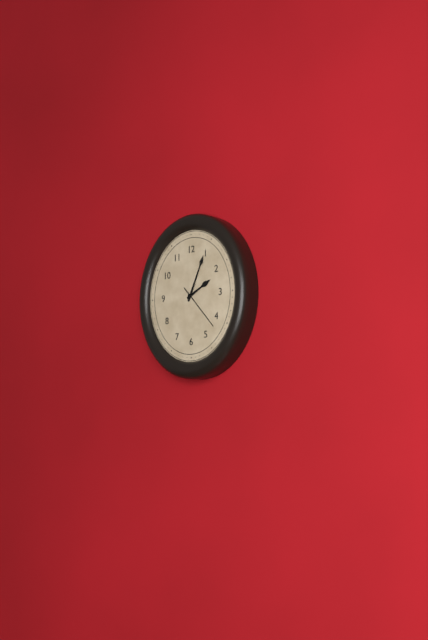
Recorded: 2h04
